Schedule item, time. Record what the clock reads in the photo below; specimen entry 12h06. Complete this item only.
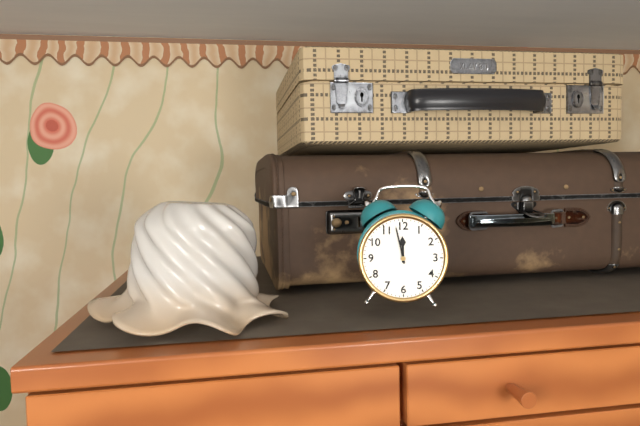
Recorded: 11h58
